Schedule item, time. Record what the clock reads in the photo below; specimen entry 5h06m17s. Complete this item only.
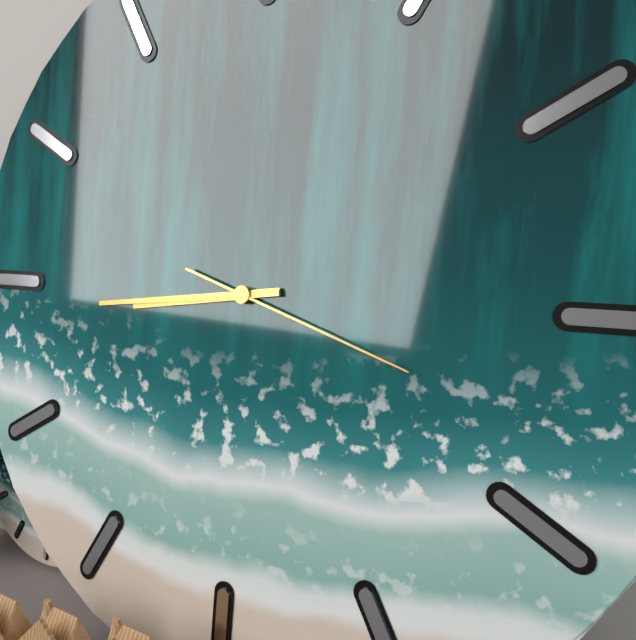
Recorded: 8h44m18s
